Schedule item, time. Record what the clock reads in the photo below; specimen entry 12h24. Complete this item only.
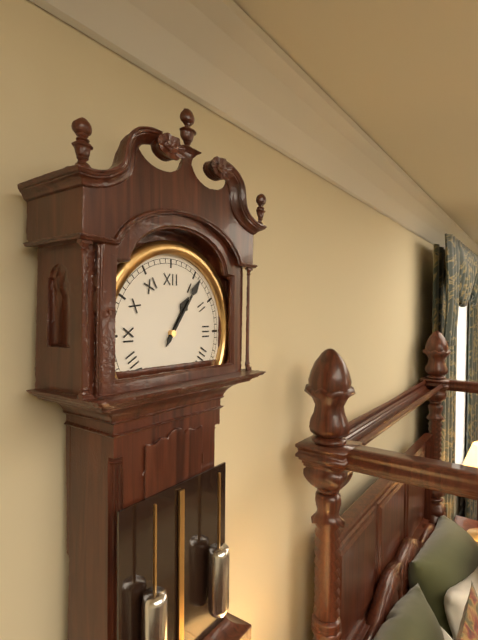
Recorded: 1h06
